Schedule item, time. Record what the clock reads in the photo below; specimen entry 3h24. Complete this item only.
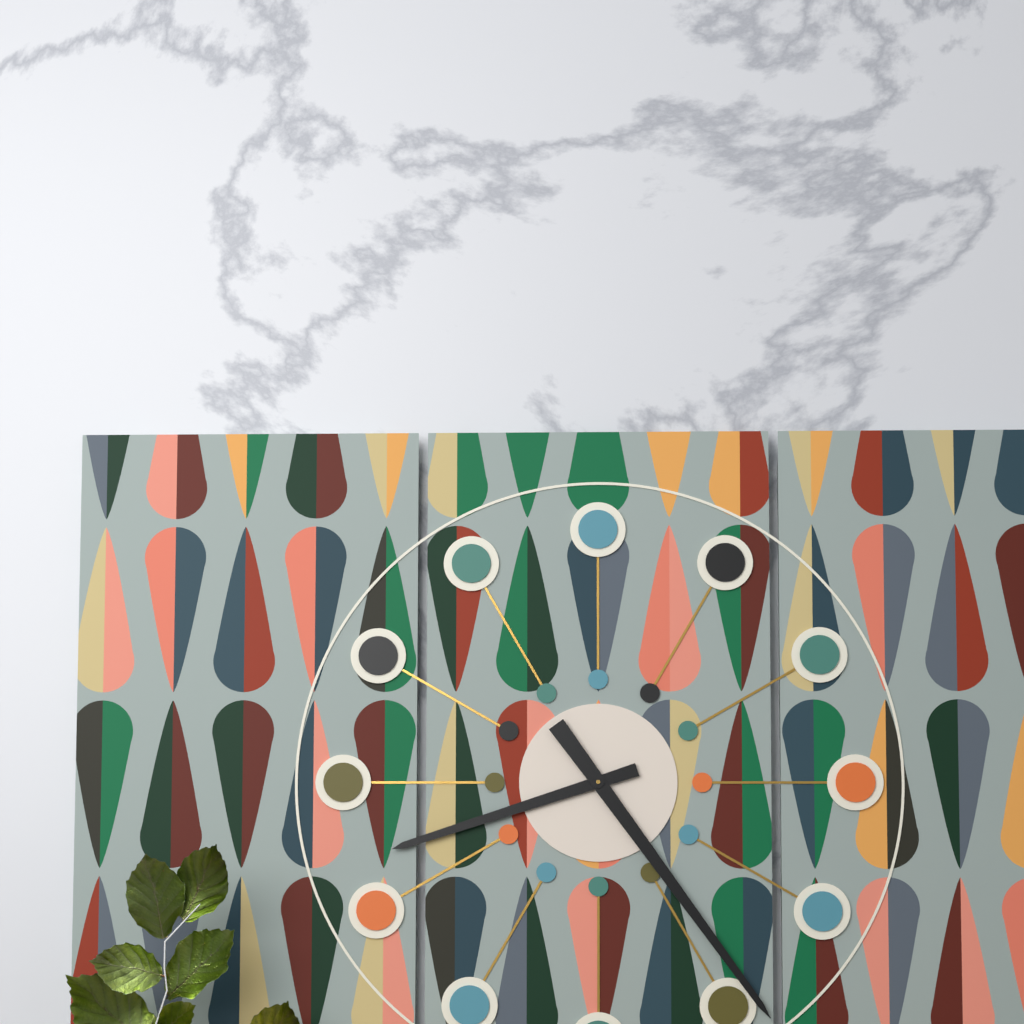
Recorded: 8h24
